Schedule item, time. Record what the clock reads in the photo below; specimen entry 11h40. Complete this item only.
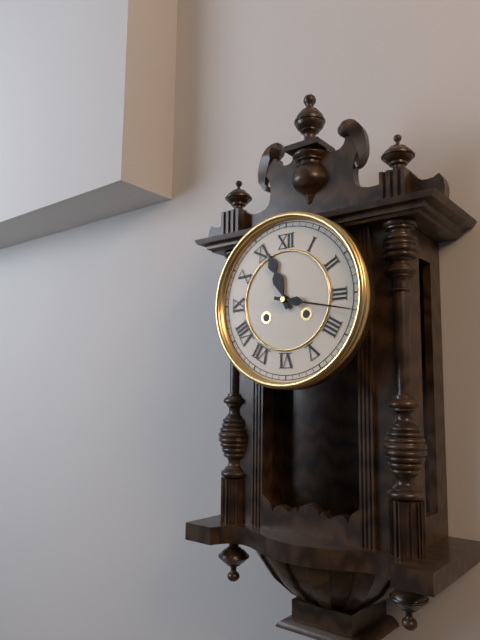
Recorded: 11h17
